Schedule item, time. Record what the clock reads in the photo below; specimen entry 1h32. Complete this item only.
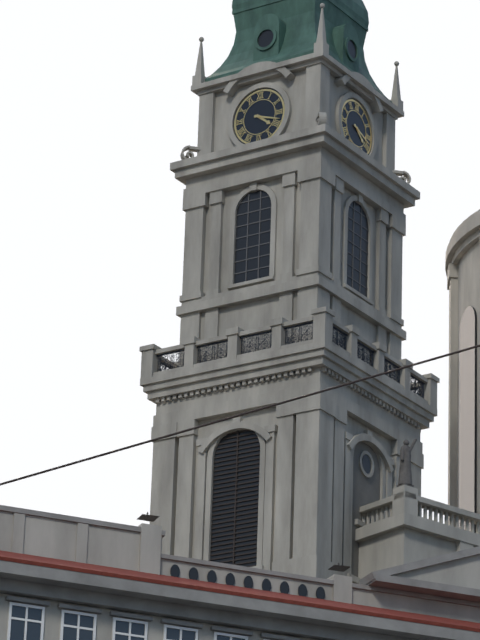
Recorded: 4h18
